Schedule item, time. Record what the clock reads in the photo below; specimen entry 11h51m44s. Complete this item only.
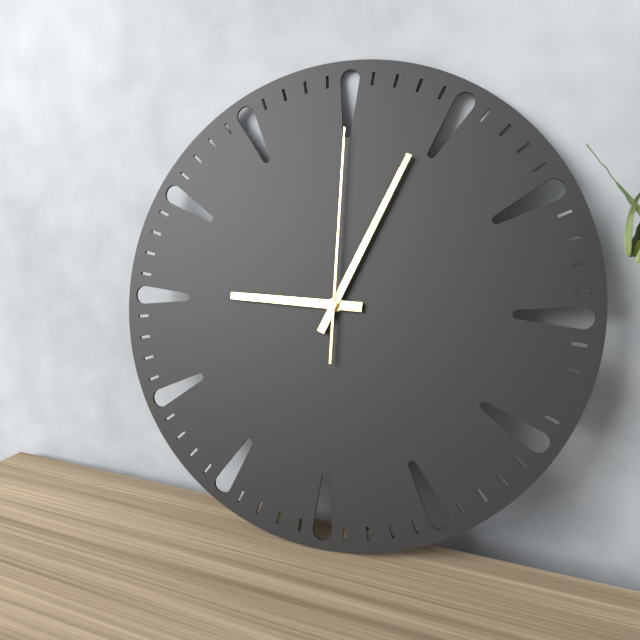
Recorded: 9h04m00s
